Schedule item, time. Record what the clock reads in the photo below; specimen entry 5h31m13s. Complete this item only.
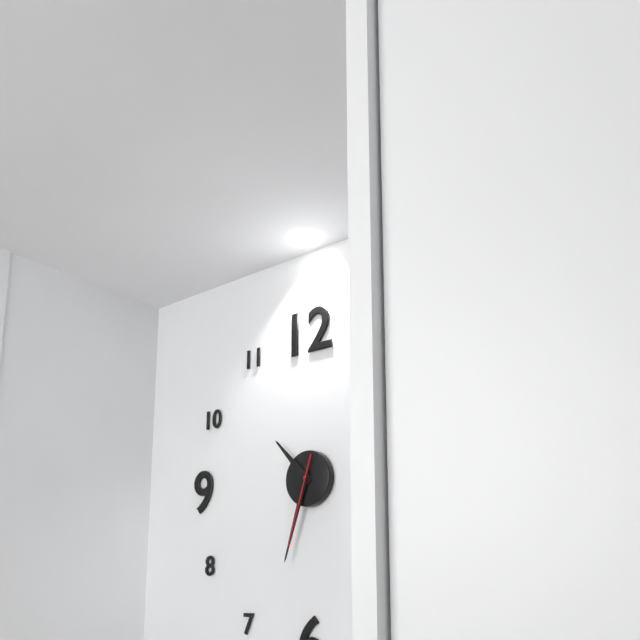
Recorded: 10h33m33s
